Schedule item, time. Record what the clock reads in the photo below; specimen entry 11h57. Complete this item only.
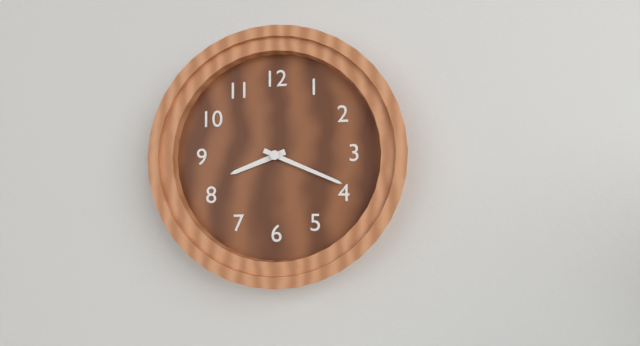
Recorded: 8h19
